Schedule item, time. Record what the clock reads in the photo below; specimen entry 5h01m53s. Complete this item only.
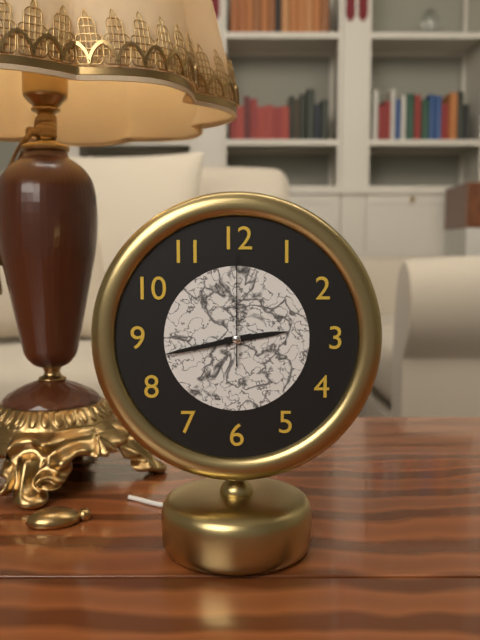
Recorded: 2h43m00s
